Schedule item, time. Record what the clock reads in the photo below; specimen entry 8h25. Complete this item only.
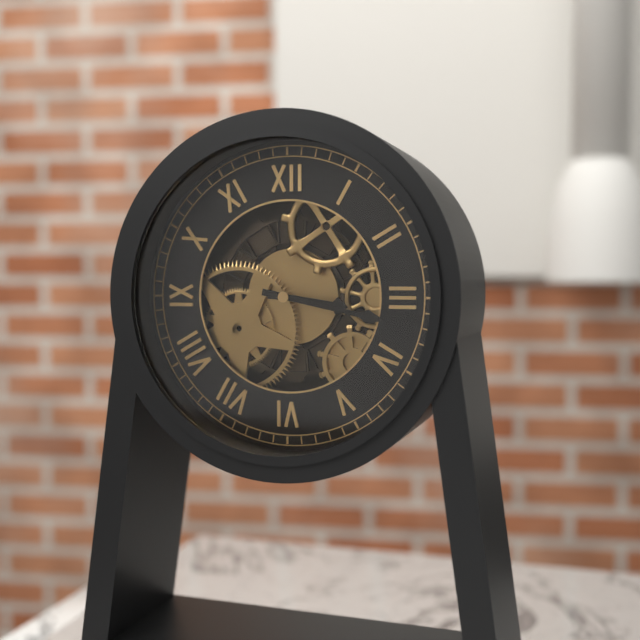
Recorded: 3h17
